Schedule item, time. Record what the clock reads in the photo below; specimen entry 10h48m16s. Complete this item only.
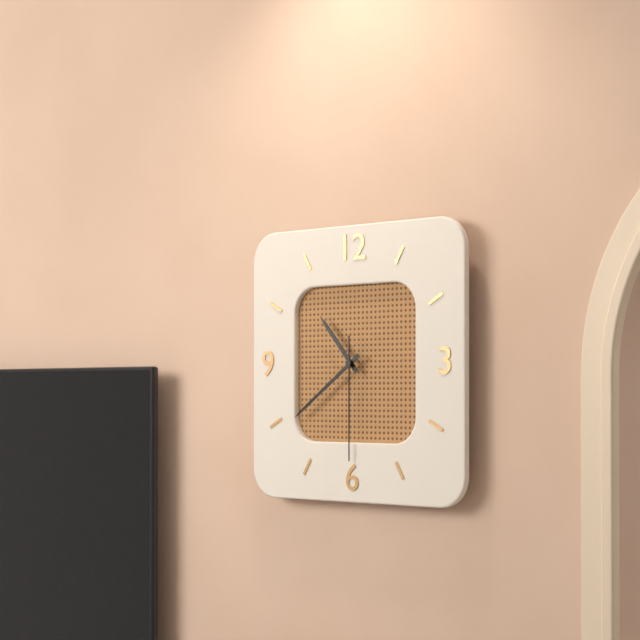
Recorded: 10h39m30s
